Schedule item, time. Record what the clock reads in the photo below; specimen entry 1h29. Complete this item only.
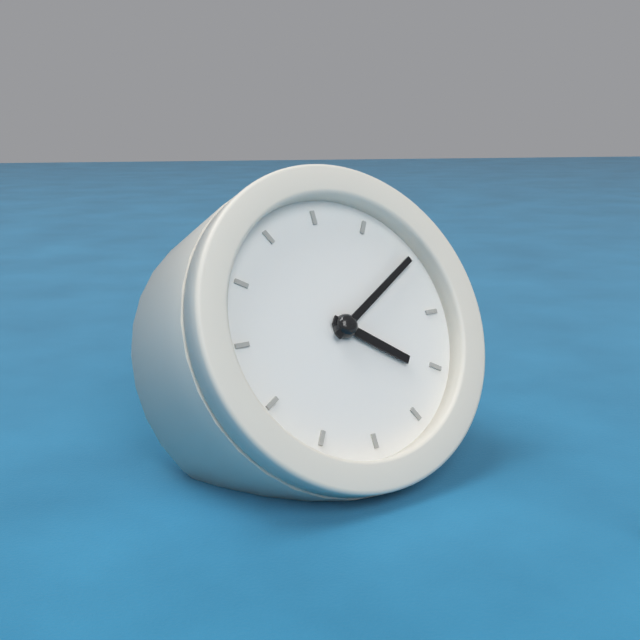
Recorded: 4h10
